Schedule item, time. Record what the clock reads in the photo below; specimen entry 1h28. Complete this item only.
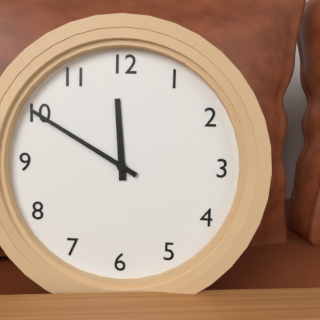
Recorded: 11h50
